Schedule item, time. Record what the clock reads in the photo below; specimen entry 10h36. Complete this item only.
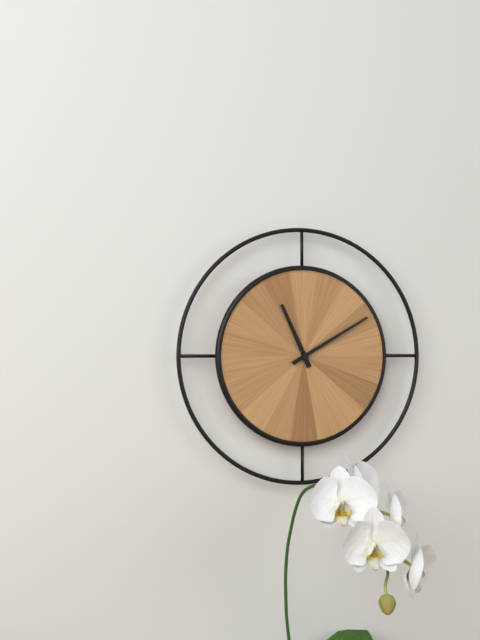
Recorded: 11h10
